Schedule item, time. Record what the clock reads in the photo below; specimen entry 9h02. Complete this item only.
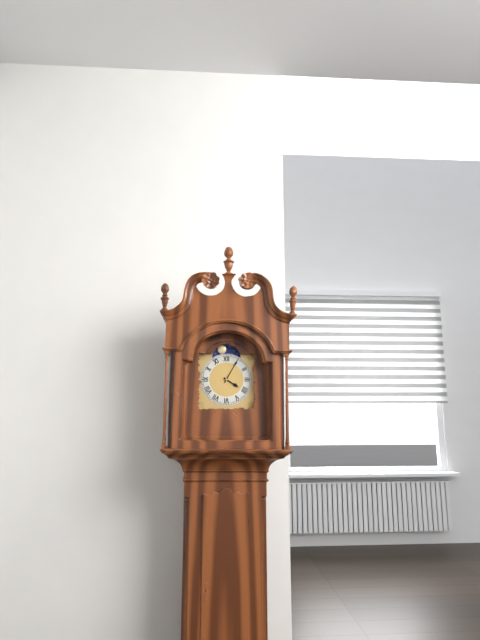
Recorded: 4h05
